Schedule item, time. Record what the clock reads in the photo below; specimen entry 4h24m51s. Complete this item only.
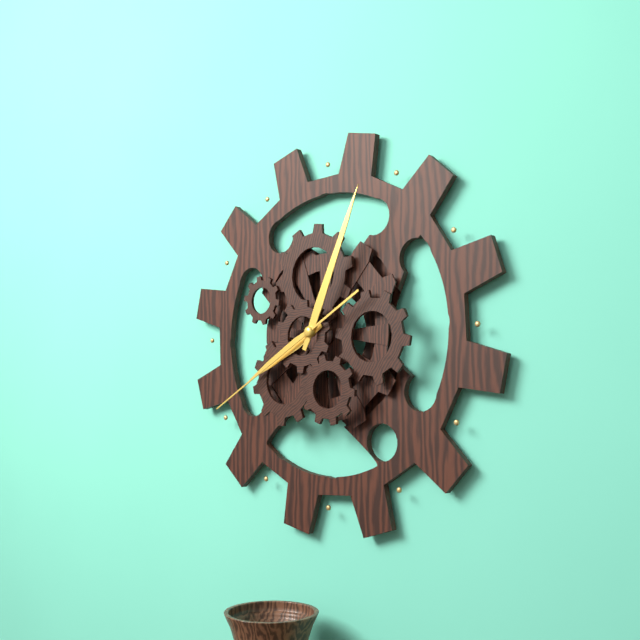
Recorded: 8h04m40s
